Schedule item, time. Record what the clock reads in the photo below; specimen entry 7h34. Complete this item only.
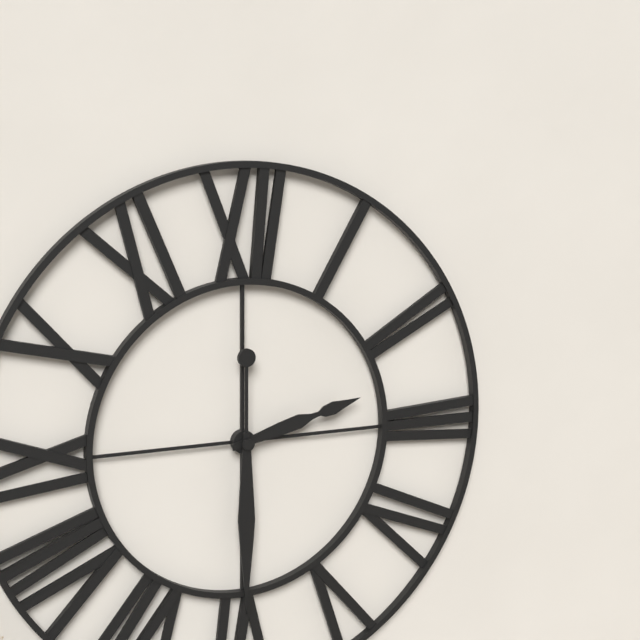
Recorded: 2h30
